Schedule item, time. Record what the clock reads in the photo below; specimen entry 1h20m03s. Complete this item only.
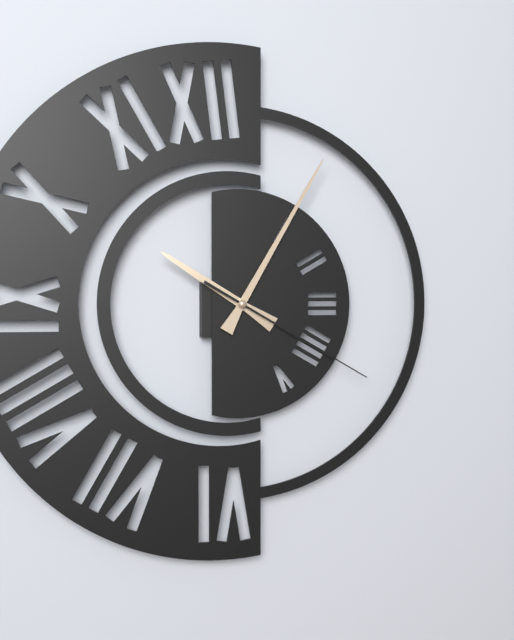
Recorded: 10h05m20s
